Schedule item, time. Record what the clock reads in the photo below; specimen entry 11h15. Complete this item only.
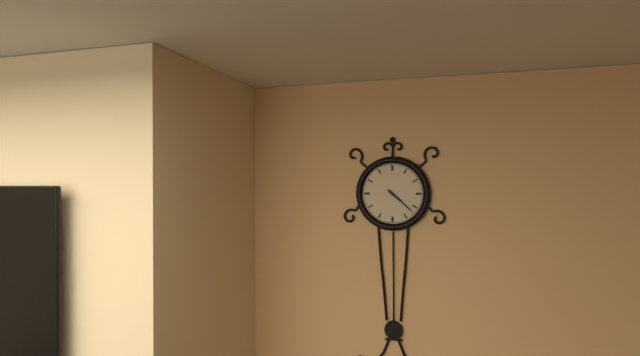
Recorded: 4h22
